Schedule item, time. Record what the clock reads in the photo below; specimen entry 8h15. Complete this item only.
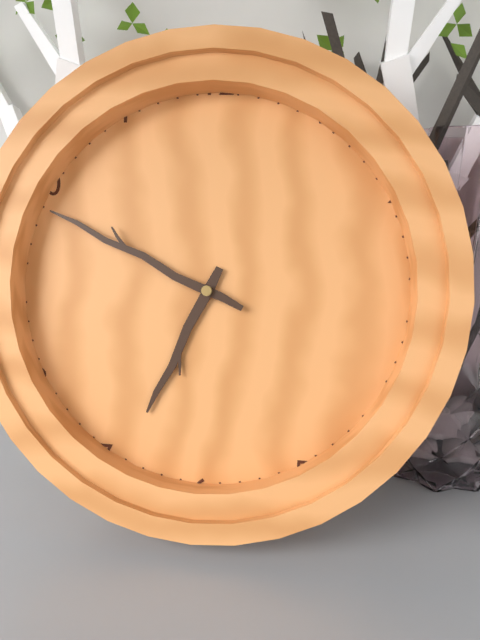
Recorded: 6h49
